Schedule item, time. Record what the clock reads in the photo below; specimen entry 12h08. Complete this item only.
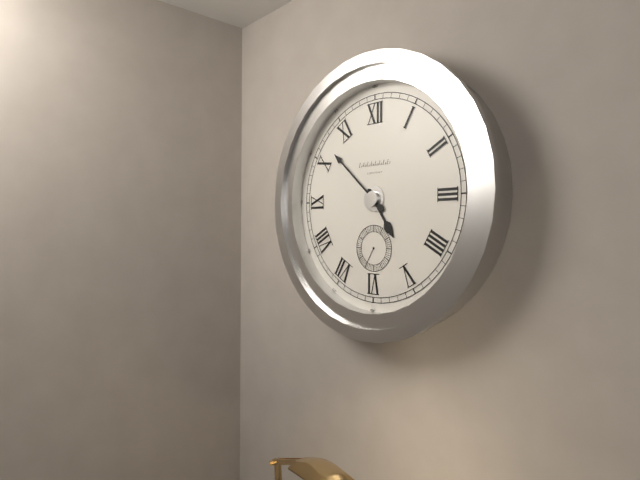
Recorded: 4h52
